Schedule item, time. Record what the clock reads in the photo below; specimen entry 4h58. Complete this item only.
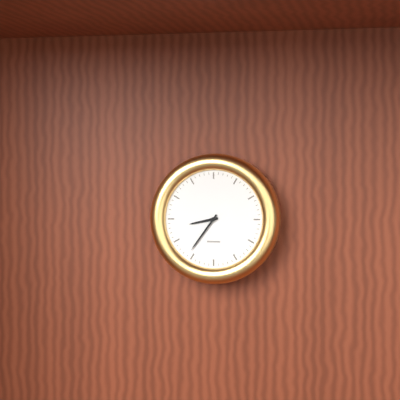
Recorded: 8h36
